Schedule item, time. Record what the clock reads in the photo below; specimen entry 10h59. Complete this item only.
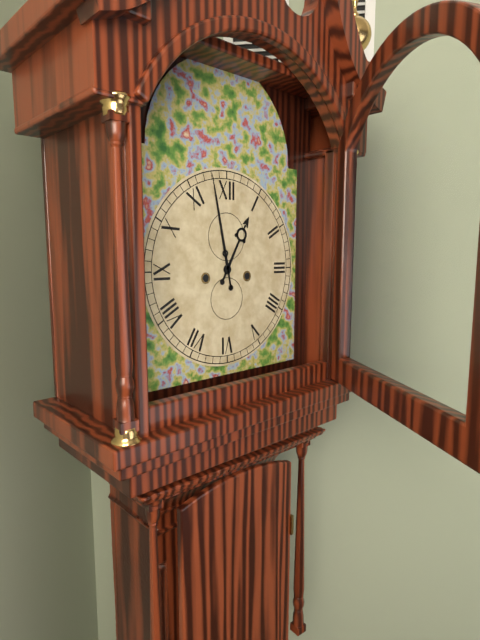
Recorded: 12h58
